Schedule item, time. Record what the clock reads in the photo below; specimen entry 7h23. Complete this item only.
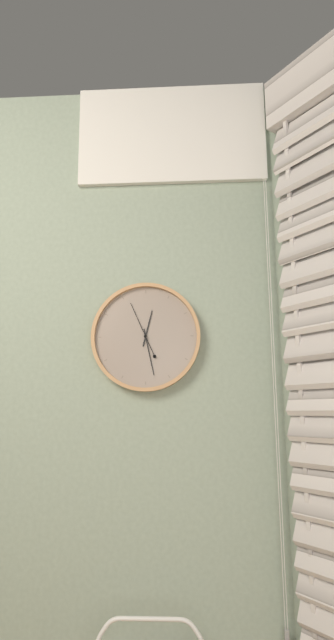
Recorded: 12h28
